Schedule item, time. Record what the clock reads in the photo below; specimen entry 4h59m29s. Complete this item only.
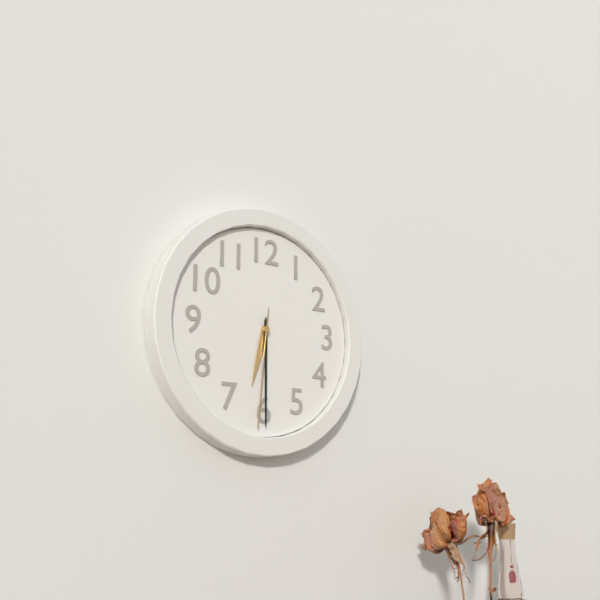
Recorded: 6h30m31s
